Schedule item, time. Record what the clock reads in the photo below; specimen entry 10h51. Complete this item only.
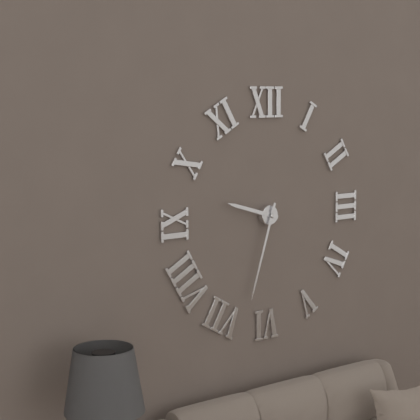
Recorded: 9h33
